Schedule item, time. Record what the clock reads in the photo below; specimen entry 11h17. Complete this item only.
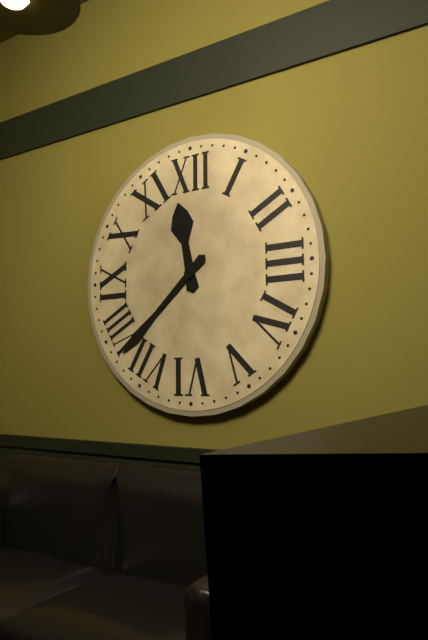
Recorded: 11h38
